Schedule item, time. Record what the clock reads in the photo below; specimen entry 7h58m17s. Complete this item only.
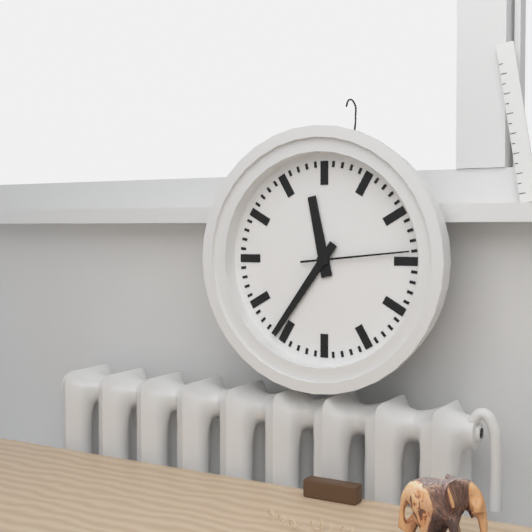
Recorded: 11h36m14s
